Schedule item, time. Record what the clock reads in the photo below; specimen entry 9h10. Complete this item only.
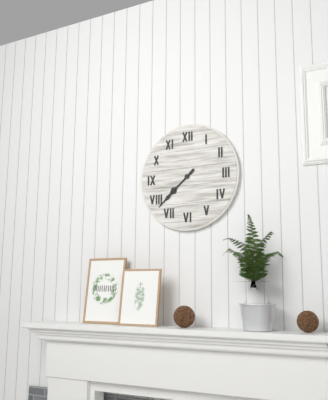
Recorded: 7h38
